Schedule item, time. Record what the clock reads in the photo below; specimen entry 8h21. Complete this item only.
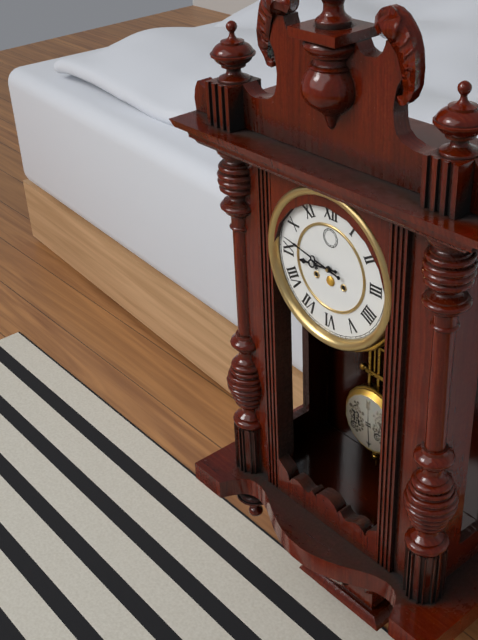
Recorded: 8h47
